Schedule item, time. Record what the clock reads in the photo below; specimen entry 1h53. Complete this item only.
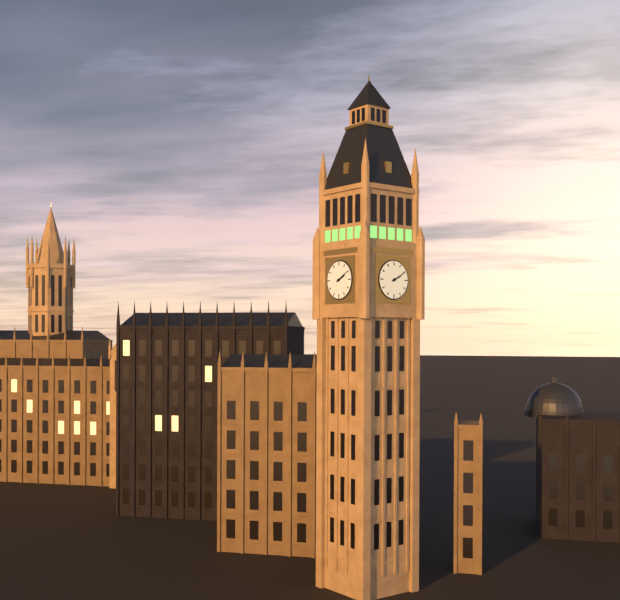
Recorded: 2h10
